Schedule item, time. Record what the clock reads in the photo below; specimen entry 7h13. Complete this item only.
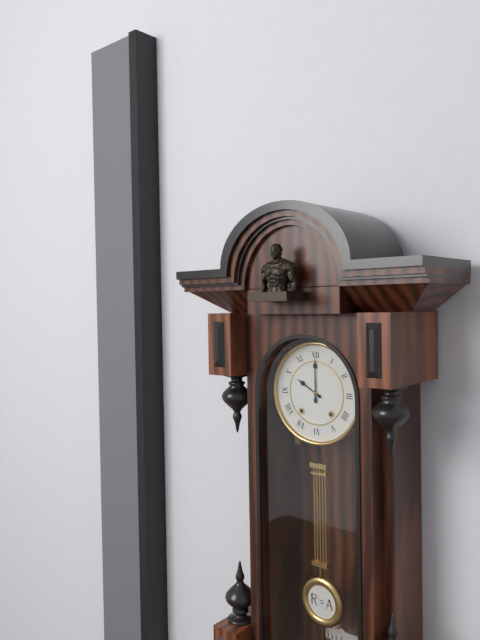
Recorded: 10h00
